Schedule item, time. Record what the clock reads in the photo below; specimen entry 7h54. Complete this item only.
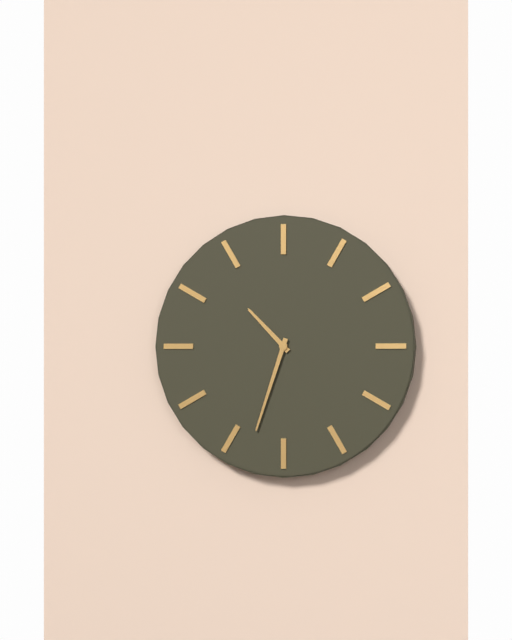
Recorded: 10h33
